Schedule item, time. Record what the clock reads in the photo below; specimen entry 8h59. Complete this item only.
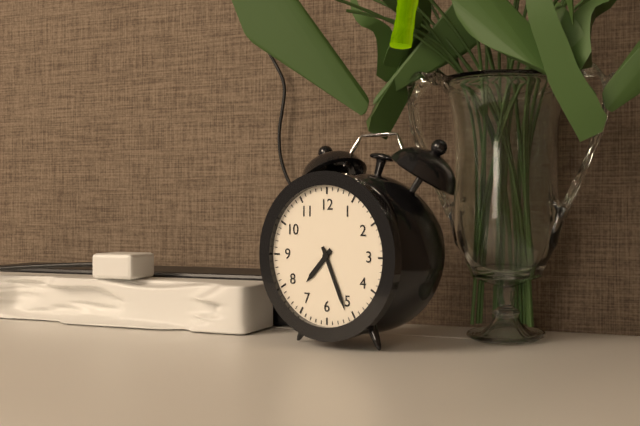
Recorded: 7h26
